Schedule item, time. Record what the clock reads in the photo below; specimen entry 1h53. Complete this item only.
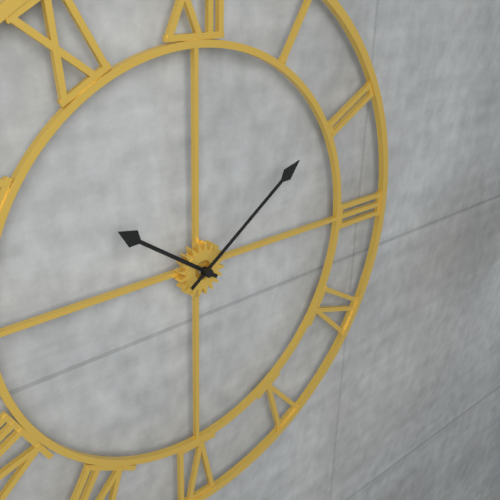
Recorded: 10h09
